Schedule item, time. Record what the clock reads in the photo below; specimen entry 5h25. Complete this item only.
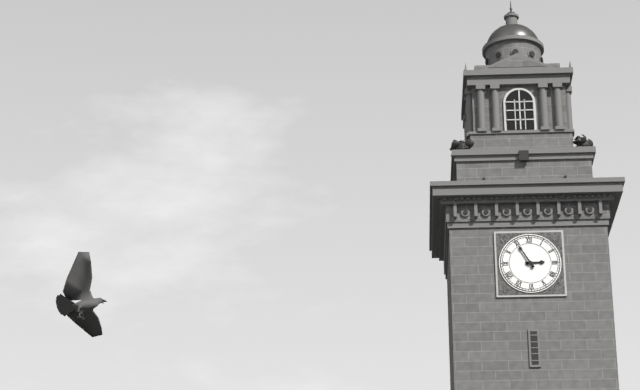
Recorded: 2h55
